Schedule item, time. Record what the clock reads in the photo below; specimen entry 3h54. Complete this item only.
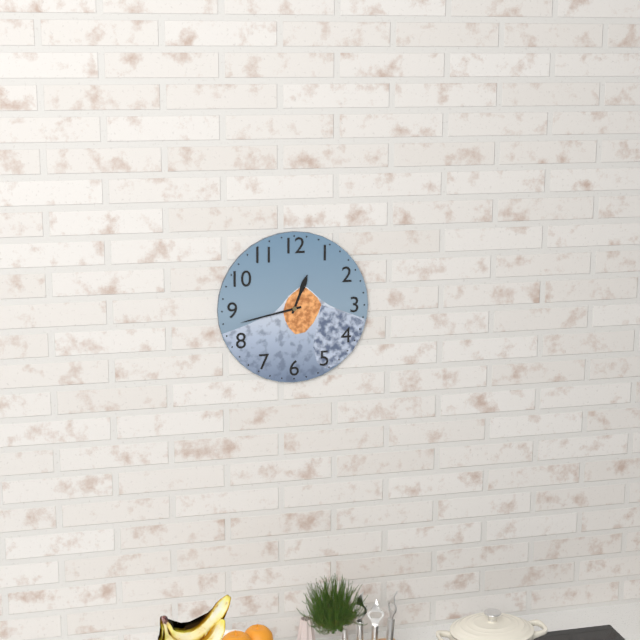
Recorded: 12h43
